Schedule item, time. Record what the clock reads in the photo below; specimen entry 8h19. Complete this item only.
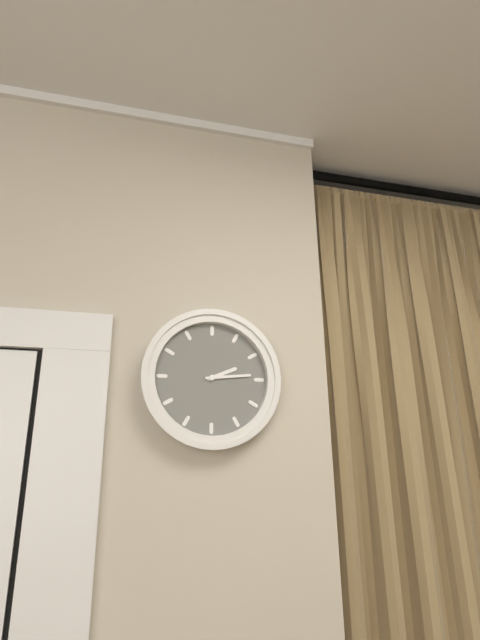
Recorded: 2h14
